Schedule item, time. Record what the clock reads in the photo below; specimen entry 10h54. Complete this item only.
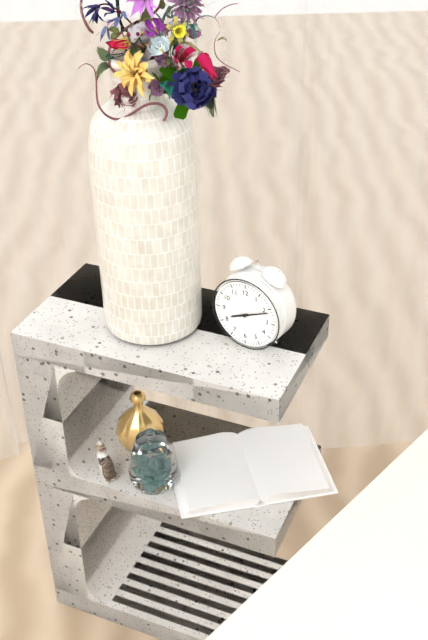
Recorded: 8h11
